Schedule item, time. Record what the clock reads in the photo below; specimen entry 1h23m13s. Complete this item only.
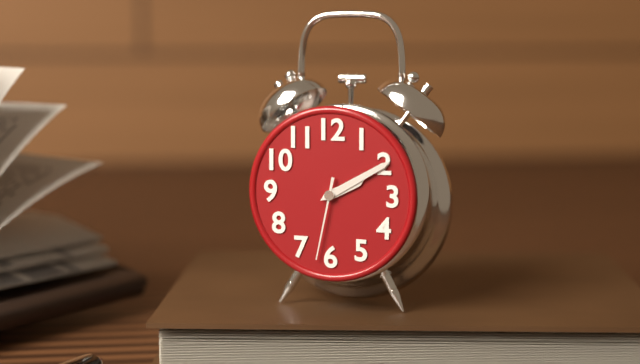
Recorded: 2h10m32s
